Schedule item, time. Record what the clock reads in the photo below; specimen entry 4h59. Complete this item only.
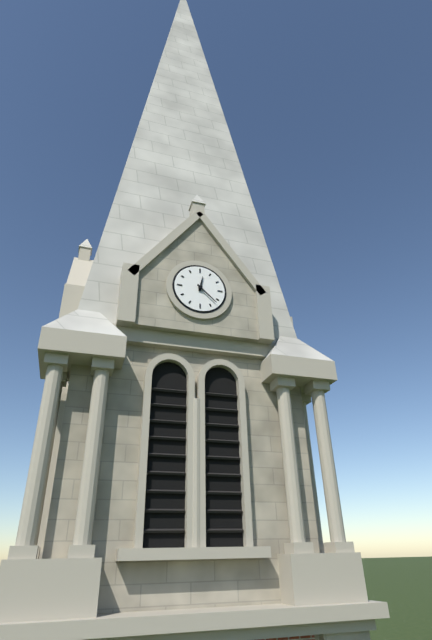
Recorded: 12h22
